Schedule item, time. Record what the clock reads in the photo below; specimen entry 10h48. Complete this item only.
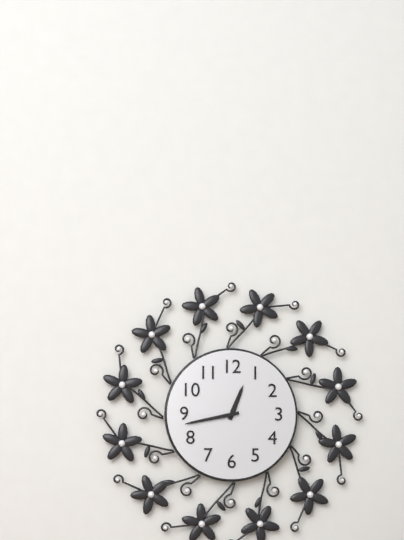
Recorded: 12h43
